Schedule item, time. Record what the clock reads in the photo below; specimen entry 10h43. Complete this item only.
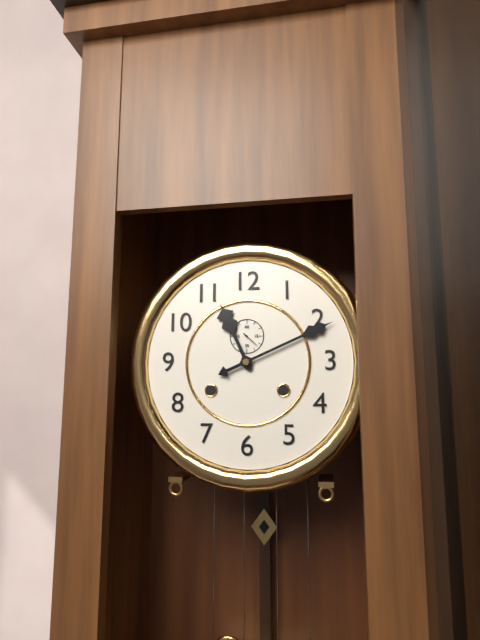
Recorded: 11h11
